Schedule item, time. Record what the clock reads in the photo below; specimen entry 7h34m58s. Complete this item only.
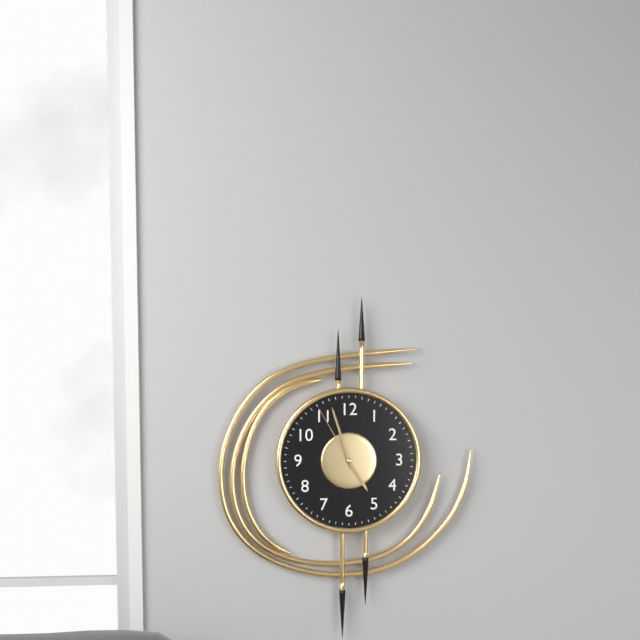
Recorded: 4h57m55s
